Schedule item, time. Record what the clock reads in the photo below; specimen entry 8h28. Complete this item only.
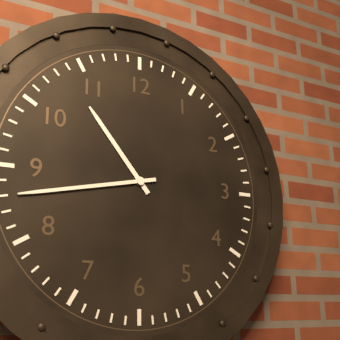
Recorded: 10h43
